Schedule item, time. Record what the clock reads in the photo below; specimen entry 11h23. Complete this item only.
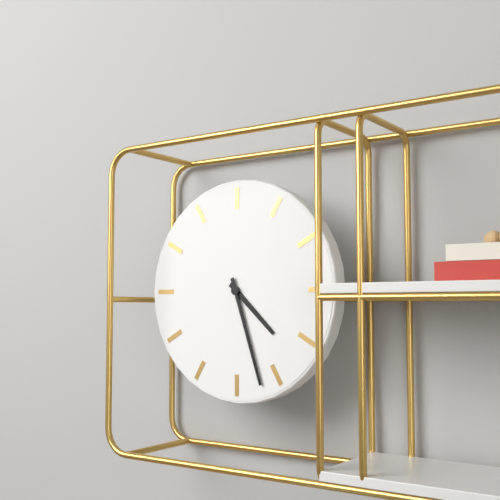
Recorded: 4h27
